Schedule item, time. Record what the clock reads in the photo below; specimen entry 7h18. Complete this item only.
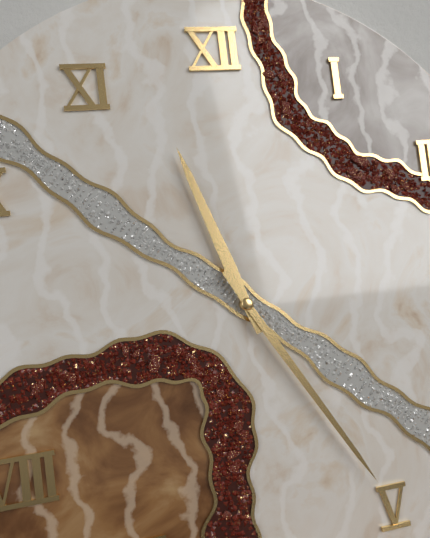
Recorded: 11h25
